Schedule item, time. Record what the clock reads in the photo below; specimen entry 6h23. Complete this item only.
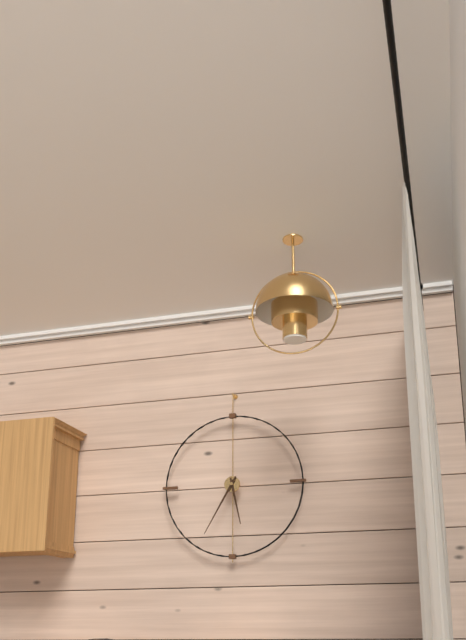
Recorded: 5h35
